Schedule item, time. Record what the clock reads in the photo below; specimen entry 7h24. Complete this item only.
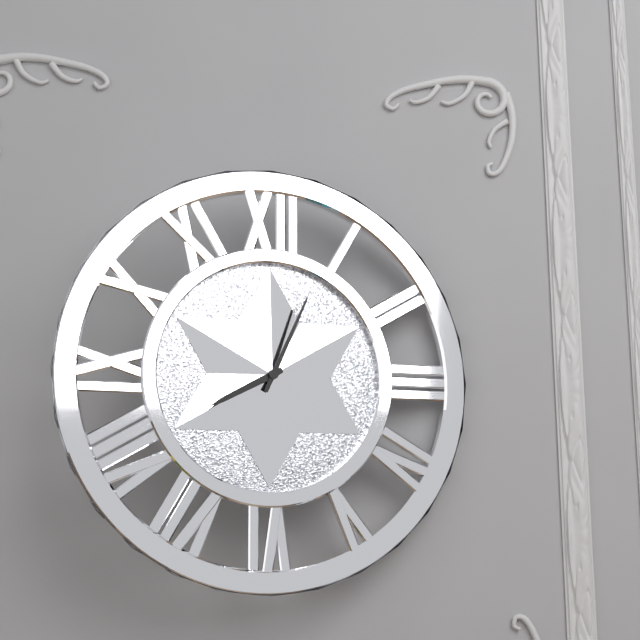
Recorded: 8h04
